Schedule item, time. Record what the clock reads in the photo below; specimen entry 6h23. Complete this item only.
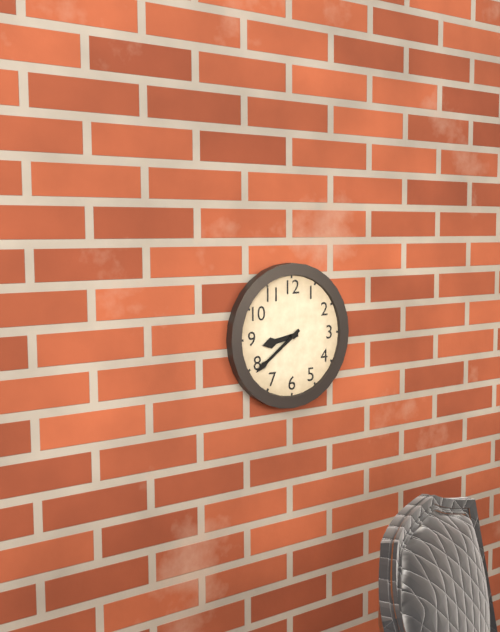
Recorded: 8h39
